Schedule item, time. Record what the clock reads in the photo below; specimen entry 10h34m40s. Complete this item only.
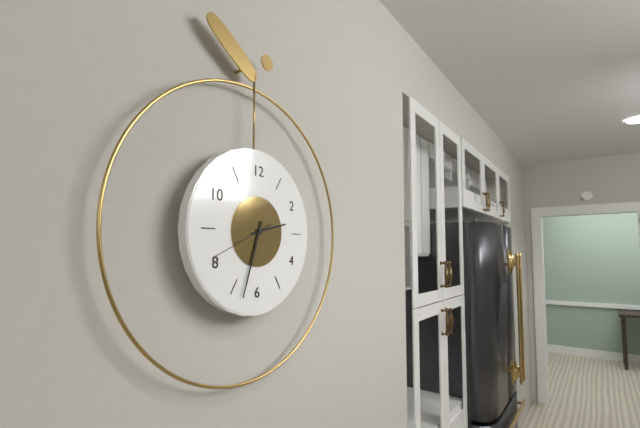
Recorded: 2h33m41s
